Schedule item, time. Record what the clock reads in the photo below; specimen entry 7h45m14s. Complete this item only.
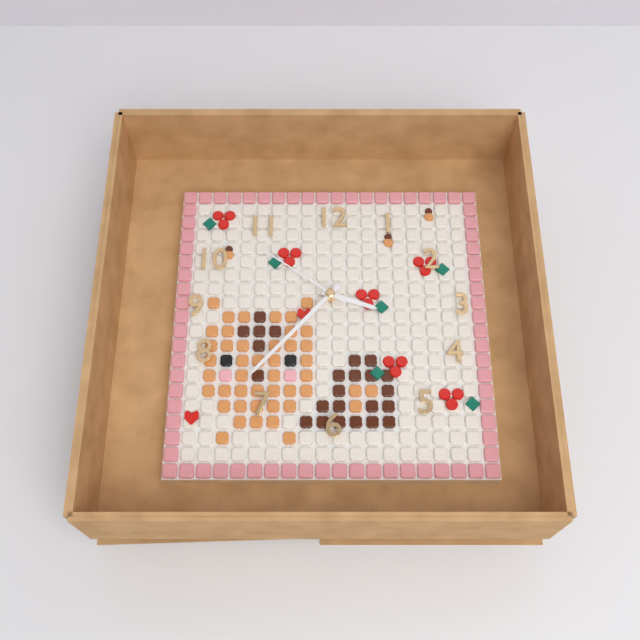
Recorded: 3h37m51s
